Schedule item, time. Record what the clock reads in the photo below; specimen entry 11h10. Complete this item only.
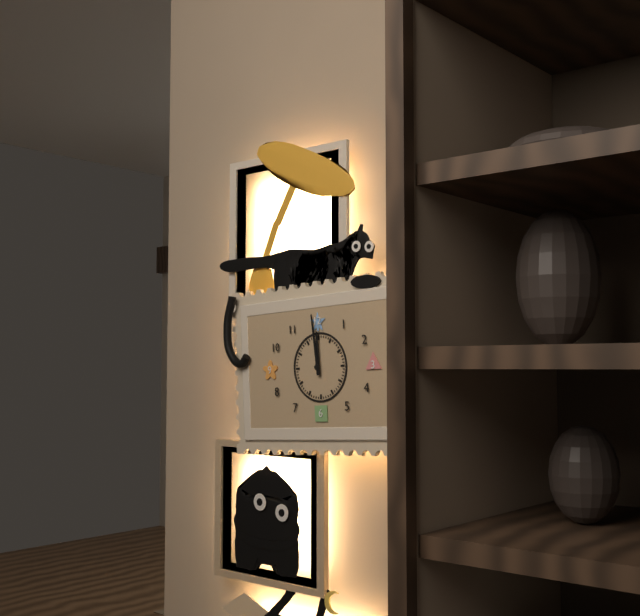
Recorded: 11h59
